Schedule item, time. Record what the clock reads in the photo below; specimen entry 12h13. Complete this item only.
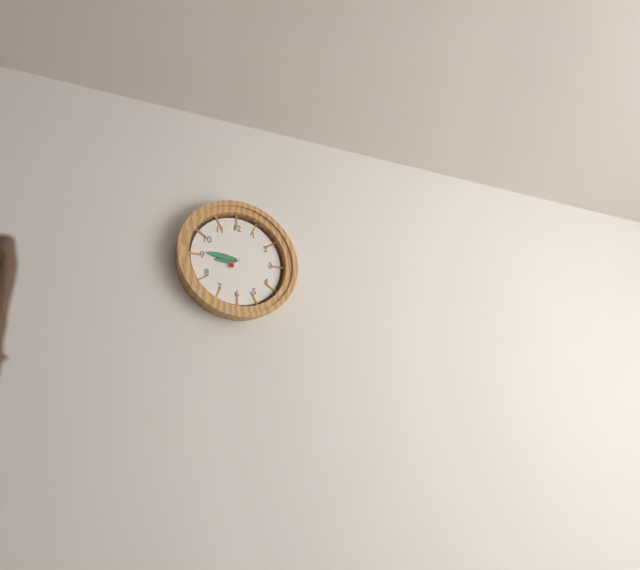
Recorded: 8h46
